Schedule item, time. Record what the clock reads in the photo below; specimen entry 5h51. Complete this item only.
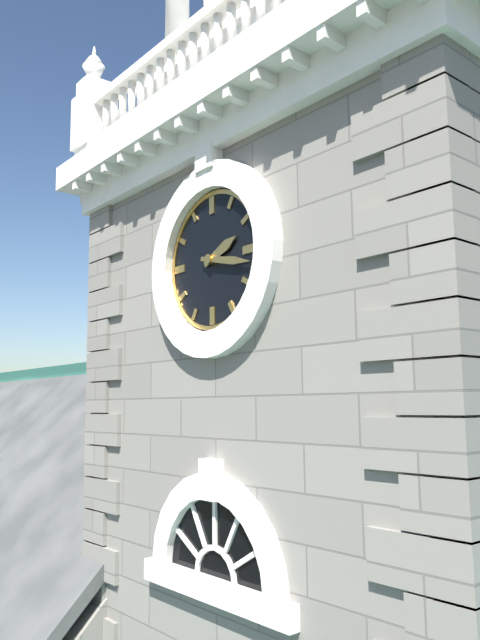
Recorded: 2h17
